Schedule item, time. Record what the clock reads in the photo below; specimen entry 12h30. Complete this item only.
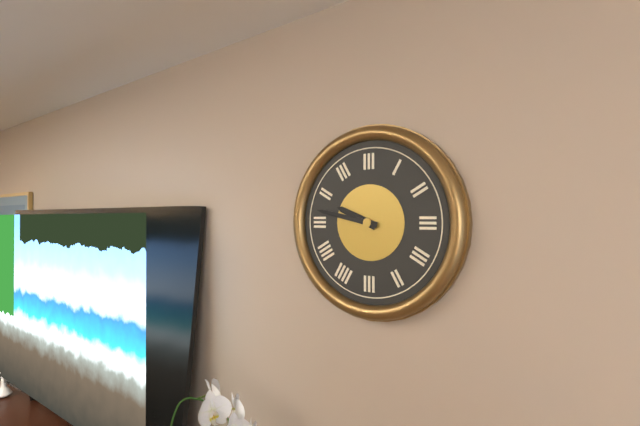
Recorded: 9h47
